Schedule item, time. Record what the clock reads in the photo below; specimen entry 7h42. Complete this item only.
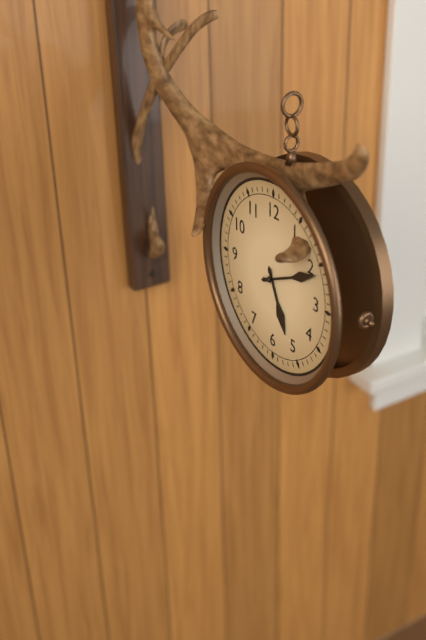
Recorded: 5h11
